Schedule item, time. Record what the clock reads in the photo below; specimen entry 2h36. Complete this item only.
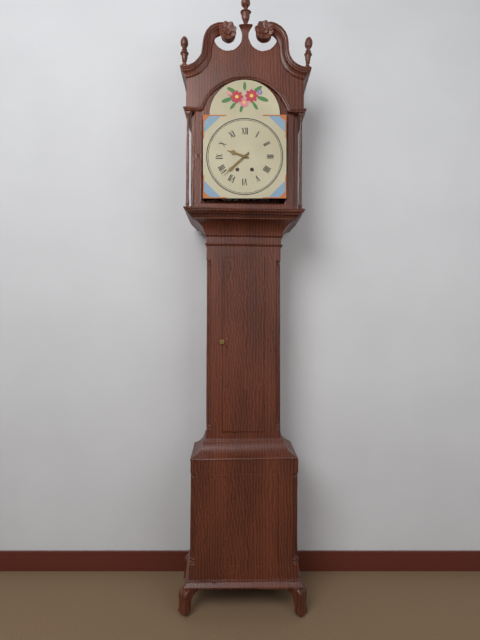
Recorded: 9h38
